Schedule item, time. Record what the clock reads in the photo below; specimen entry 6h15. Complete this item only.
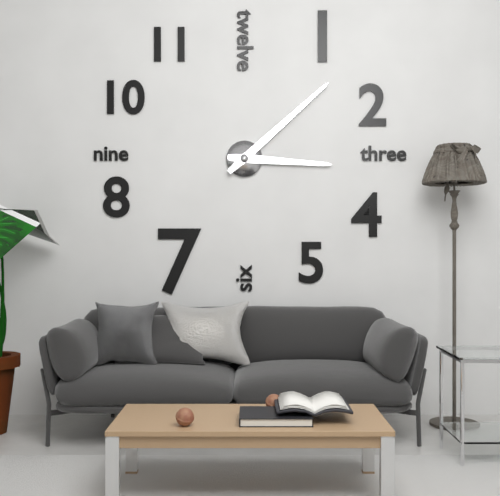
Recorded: 3h08
